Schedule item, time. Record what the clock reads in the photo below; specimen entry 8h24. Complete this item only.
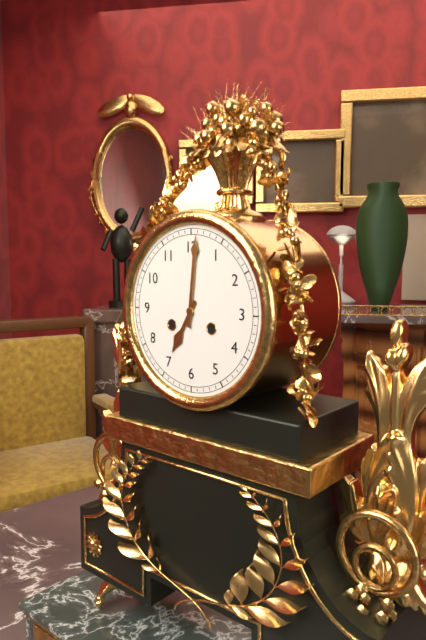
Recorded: 7h01
